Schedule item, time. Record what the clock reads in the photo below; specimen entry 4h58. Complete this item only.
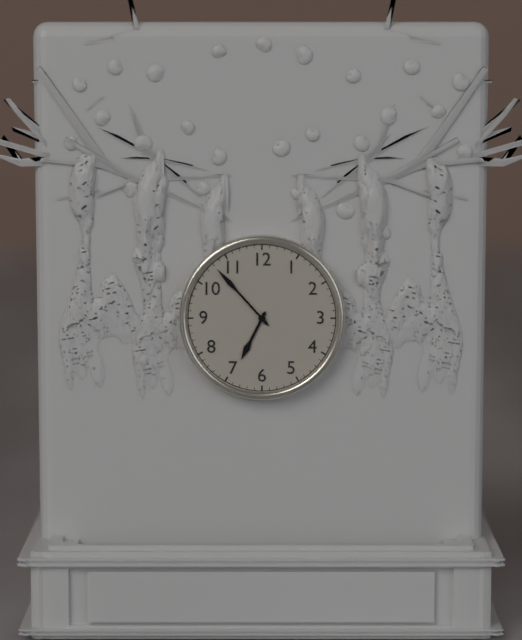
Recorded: 6h53
